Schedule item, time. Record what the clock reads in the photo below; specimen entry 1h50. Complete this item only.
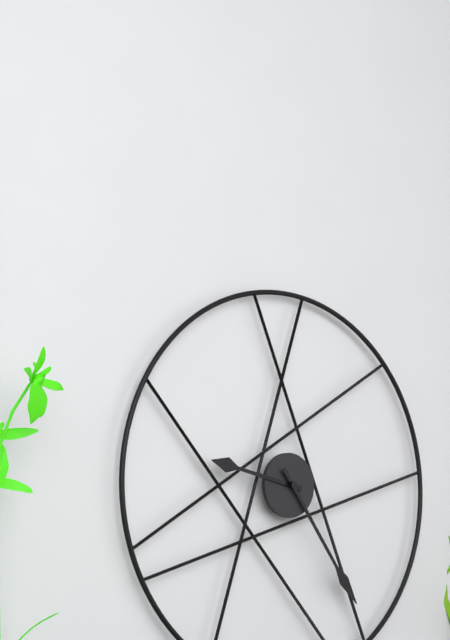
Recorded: 9h24
